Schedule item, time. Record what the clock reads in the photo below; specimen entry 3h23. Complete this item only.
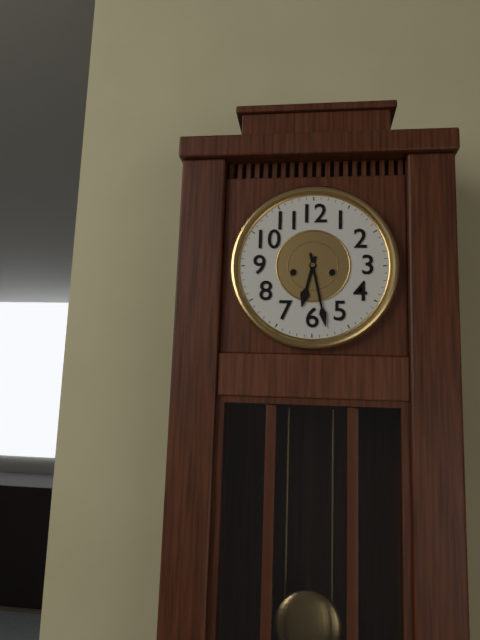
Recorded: 6h28
